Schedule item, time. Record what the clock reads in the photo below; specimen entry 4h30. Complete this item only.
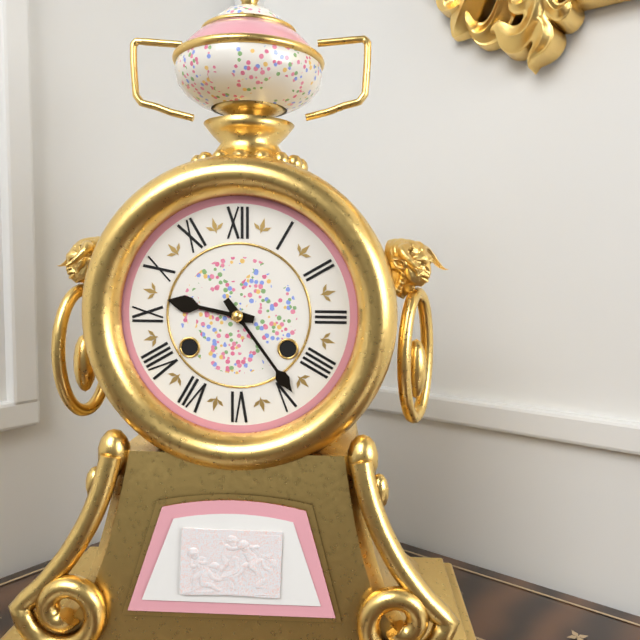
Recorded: 9h24
